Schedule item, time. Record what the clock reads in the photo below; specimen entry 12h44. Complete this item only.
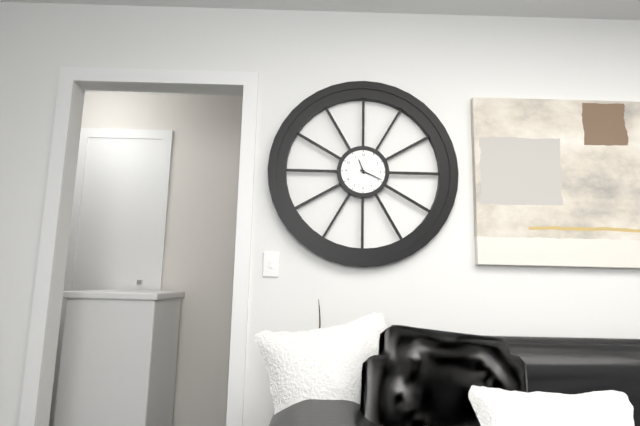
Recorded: 11h19
